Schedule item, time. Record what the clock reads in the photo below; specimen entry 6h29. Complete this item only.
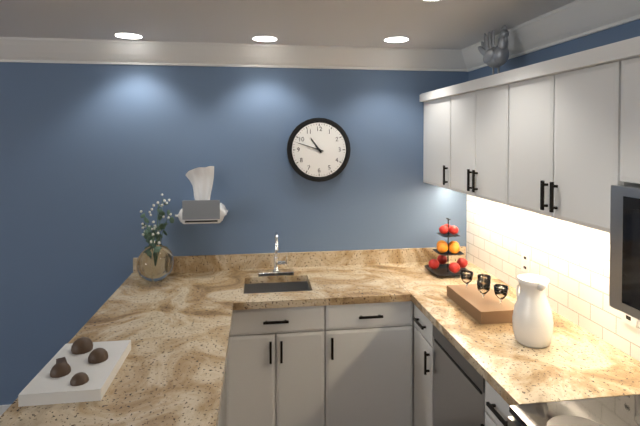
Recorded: 10h48
